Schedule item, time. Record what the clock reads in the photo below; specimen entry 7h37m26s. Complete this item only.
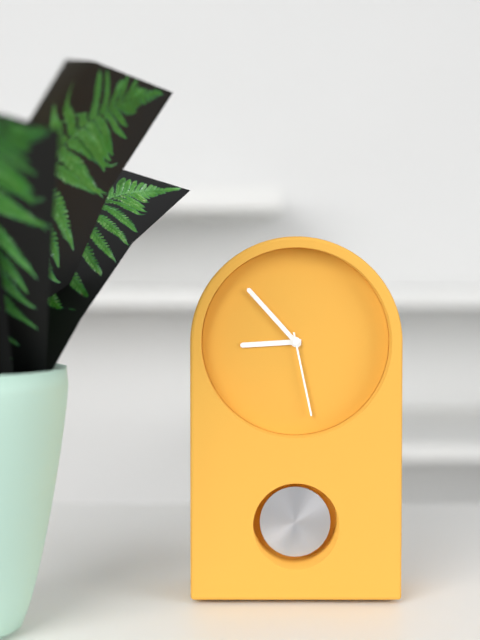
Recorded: 8h53m28s
